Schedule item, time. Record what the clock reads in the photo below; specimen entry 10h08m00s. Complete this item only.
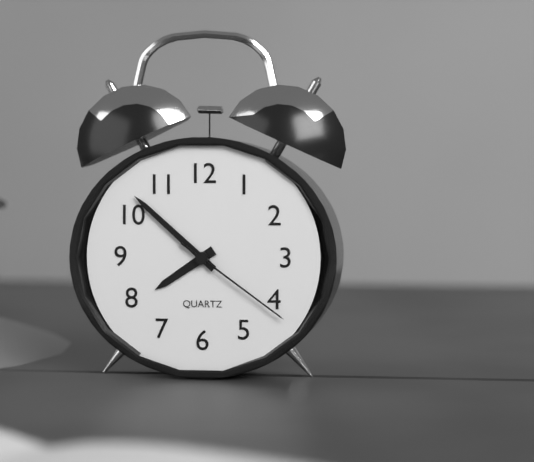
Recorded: 7h52m21s
